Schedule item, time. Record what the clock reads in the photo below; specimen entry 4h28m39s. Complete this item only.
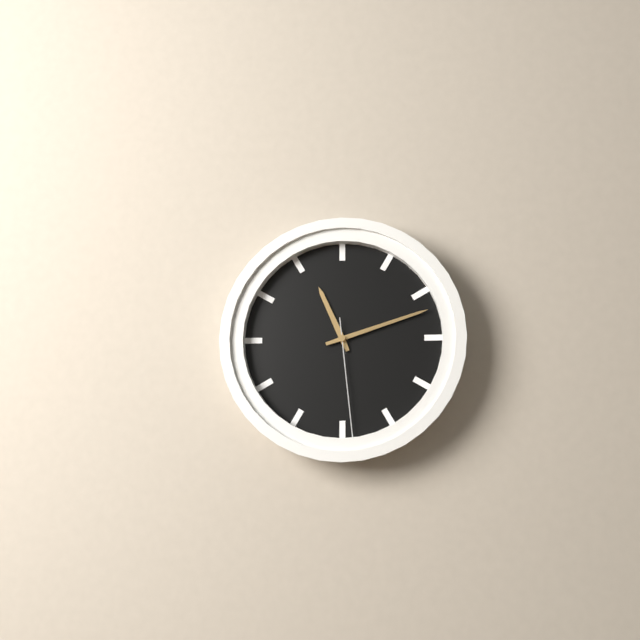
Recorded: 11h12m29s
